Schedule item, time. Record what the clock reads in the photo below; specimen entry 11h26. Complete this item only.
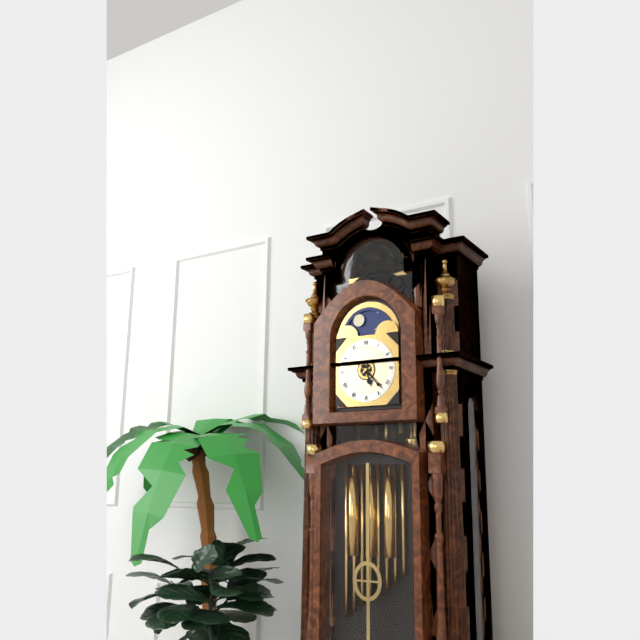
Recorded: 5h23
